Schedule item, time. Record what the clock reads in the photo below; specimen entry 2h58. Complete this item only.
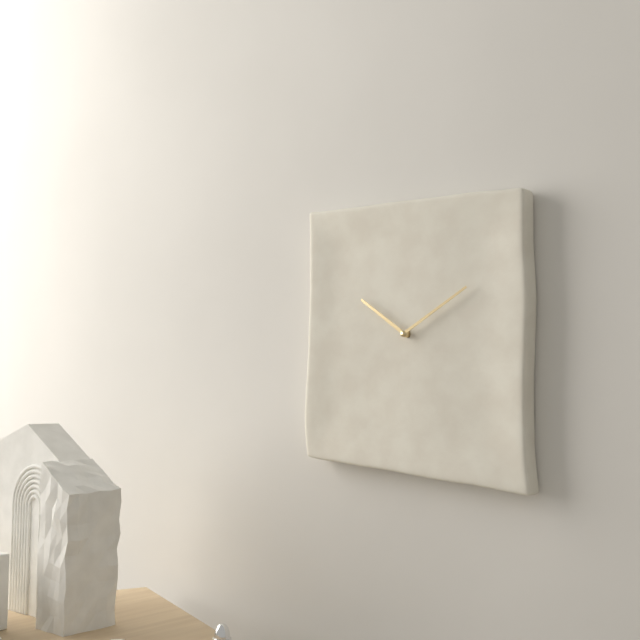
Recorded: 10h10
